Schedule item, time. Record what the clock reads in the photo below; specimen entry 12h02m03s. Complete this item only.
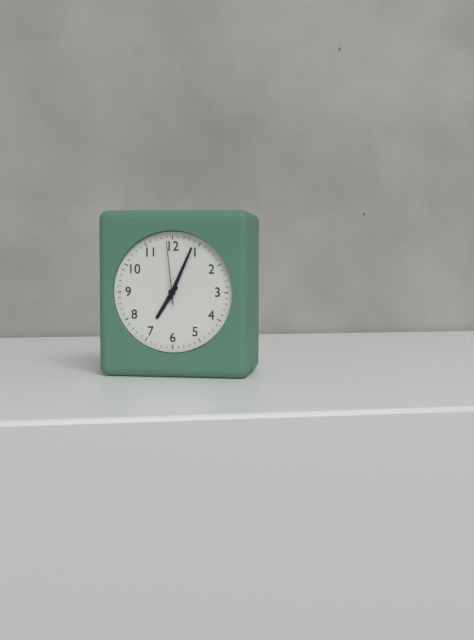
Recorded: 7h04m59s
